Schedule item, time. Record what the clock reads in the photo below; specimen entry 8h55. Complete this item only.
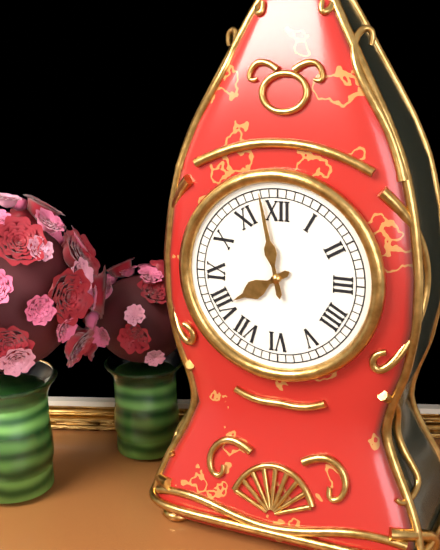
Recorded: 7h58
